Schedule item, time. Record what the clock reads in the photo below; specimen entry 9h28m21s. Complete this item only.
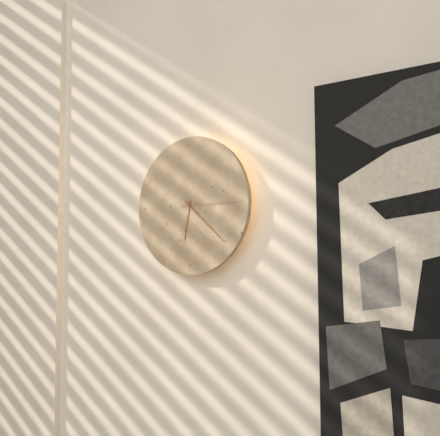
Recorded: 6h22m15s
